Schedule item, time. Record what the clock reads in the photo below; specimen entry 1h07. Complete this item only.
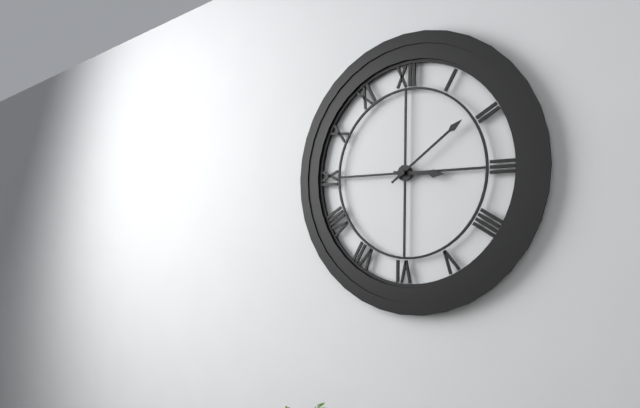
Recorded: 3h09
